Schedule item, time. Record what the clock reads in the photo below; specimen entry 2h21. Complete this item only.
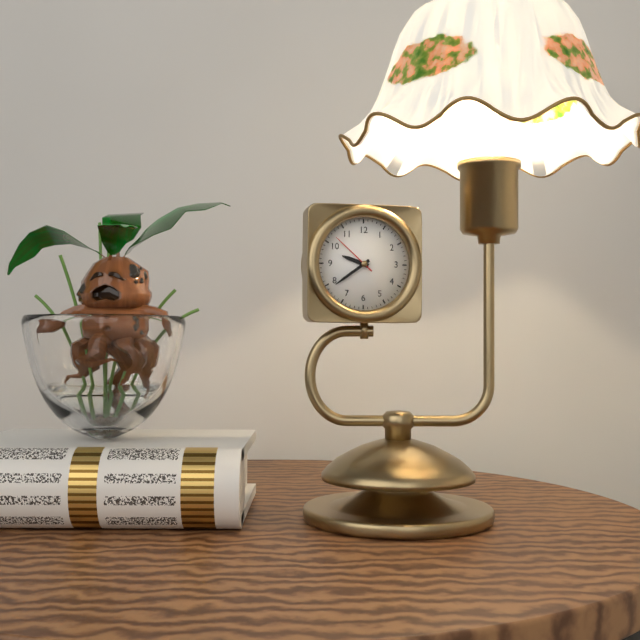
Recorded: 9h39
